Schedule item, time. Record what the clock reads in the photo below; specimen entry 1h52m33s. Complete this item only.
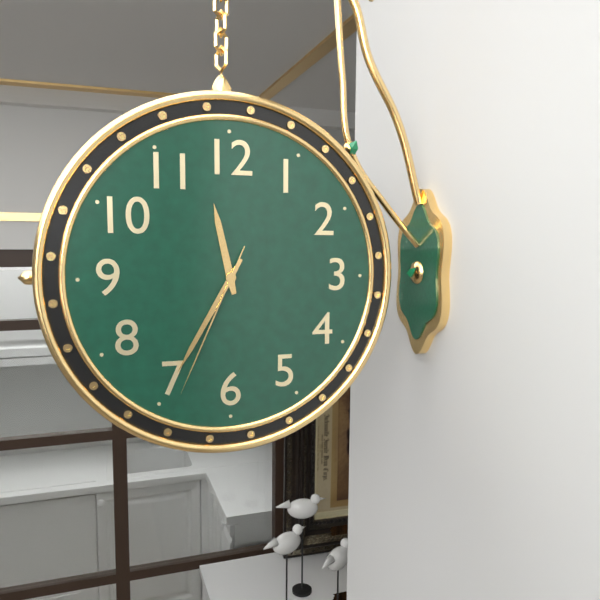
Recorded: 11h35m34s
